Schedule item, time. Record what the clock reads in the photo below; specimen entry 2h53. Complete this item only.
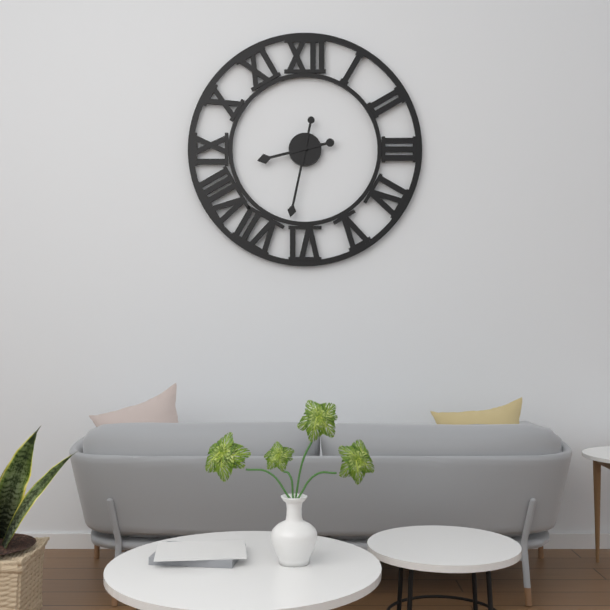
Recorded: 8h32
